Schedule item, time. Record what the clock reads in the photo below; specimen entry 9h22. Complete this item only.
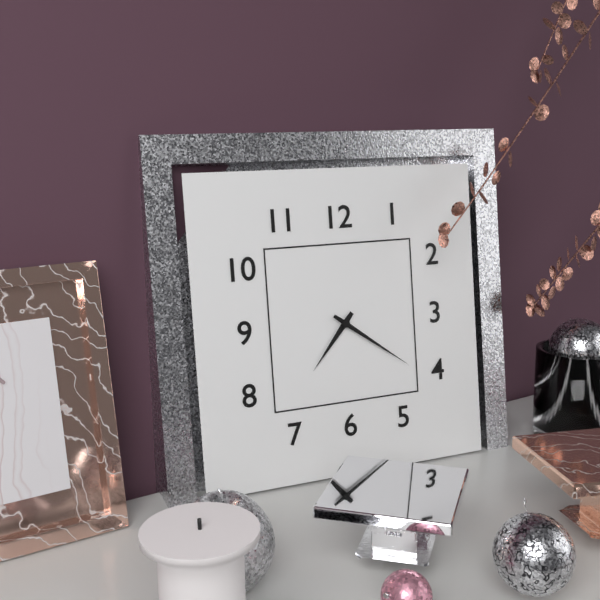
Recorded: 7h21
